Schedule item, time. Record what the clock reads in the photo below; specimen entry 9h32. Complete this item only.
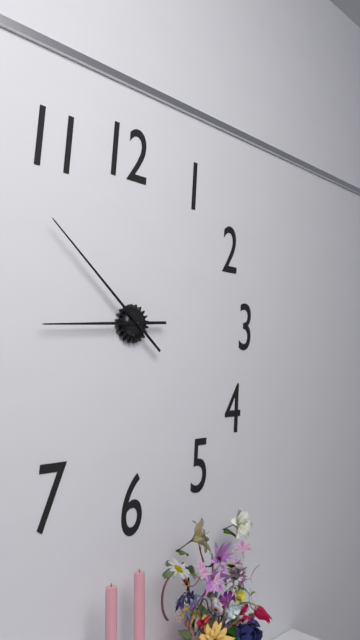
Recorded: 8h52
